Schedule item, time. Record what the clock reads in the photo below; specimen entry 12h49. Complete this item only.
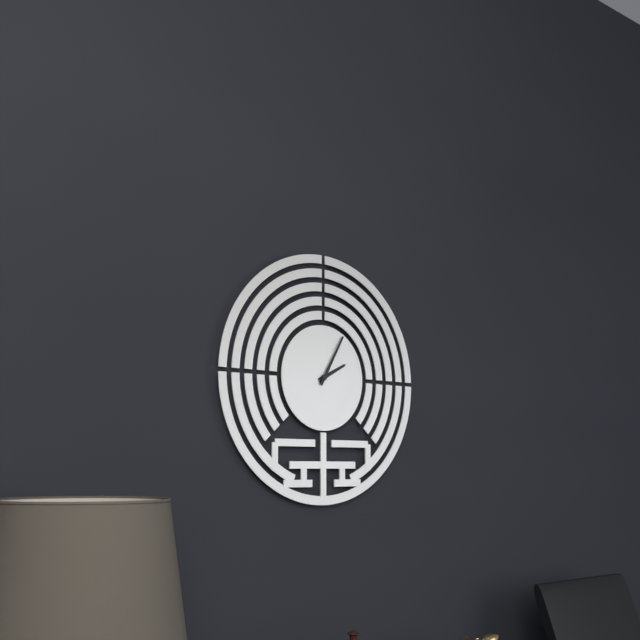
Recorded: 2h05
